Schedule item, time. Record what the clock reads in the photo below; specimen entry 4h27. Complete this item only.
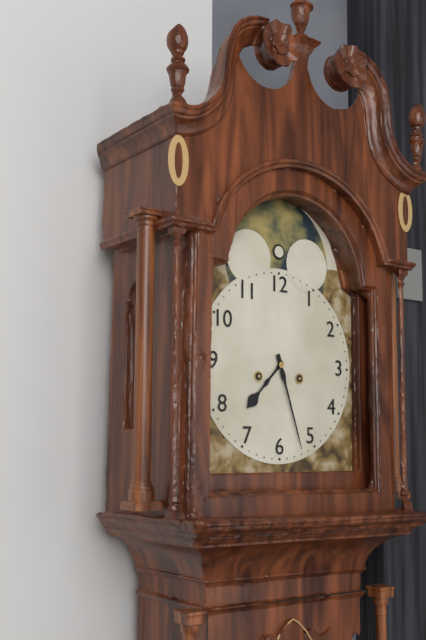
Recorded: 7h27
